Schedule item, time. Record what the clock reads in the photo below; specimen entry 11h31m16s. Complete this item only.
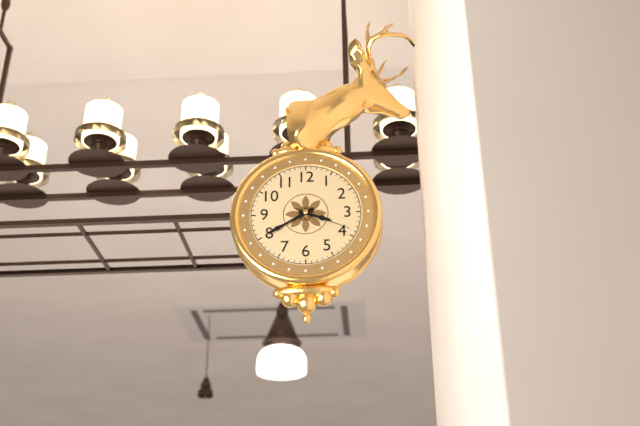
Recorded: 3h40m19s
